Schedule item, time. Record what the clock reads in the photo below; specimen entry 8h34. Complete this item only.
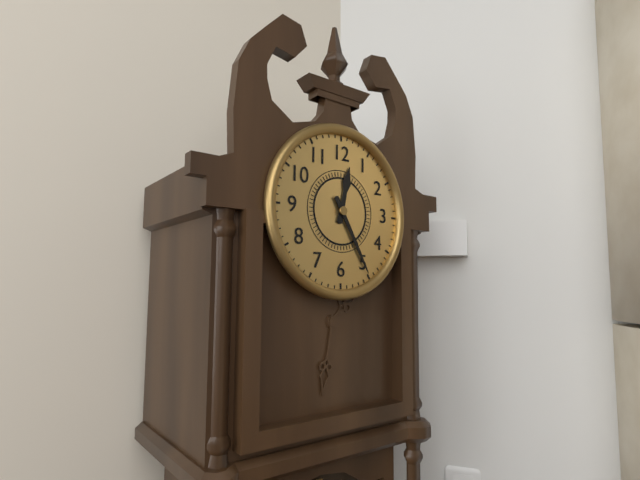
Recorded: 12h25
